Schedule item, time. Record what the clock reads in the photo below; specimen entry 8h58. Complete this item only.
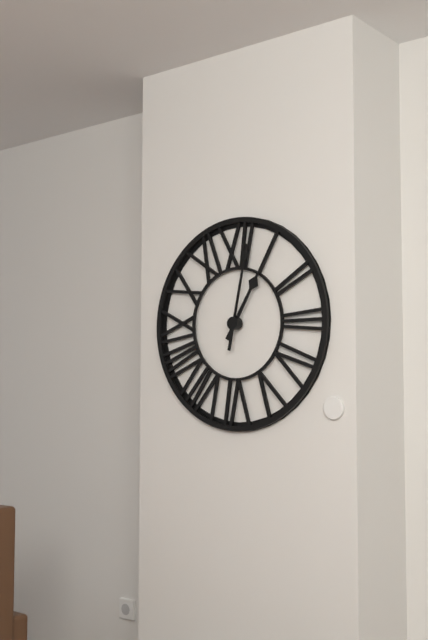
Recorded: 1h02
